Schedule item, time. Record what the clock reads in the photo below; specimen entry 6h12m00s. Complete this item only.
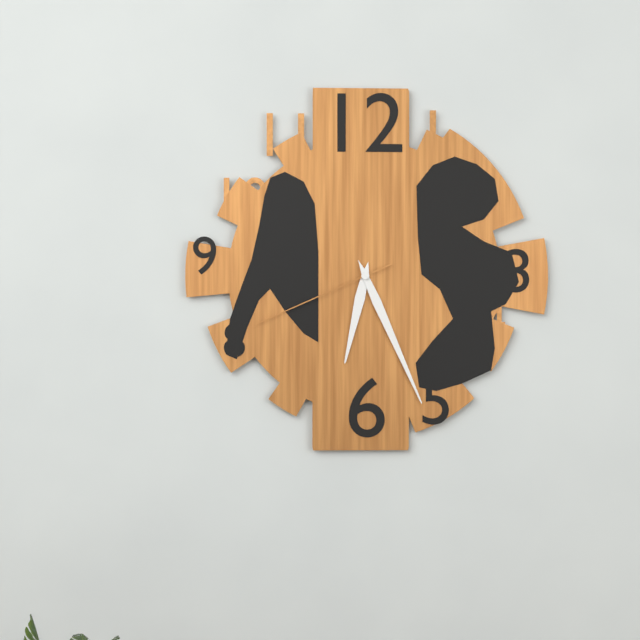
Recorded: 6h26m41s
